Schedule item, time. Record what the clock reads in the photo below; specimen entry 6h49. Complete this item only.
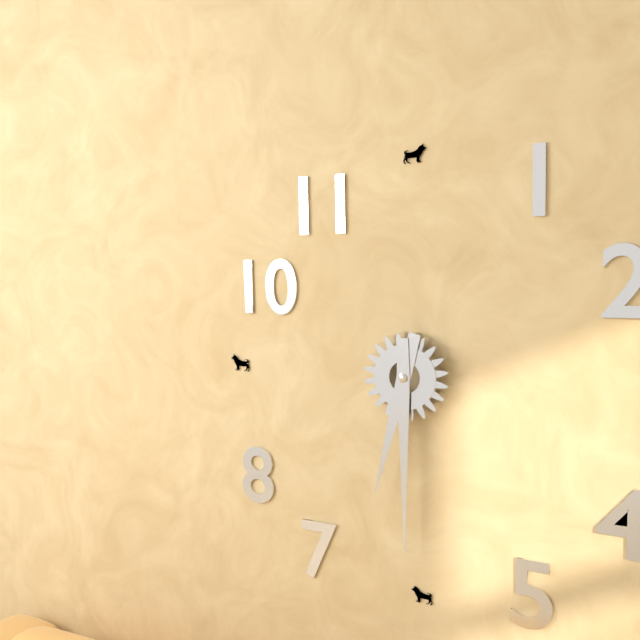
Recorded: 6h30
